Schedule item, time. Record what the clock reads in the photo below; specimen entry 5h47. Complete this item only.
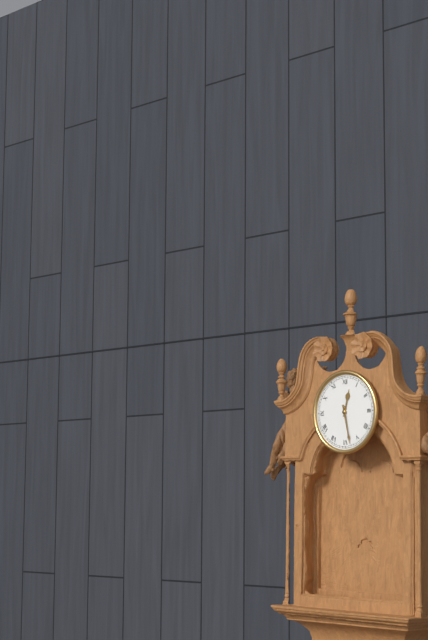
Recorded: 12h28
